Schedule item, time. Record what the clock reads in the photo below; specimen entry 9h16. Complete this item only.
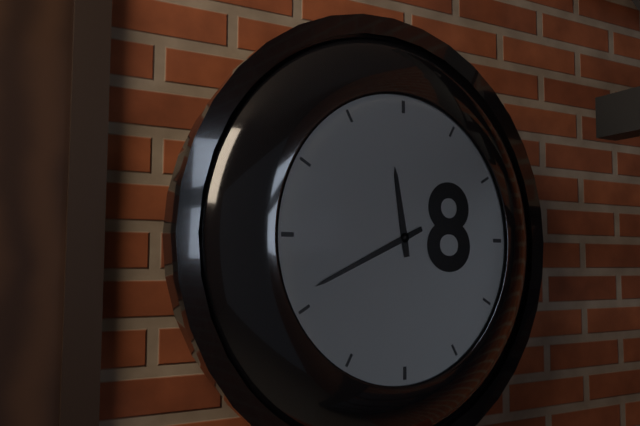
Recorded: 11h41
